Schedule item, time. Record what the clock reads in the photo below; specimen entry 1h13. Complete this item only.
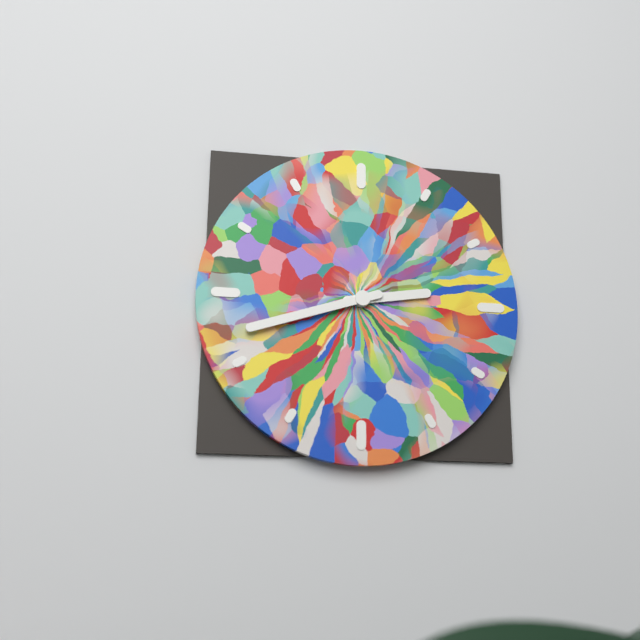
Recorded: 2h42
